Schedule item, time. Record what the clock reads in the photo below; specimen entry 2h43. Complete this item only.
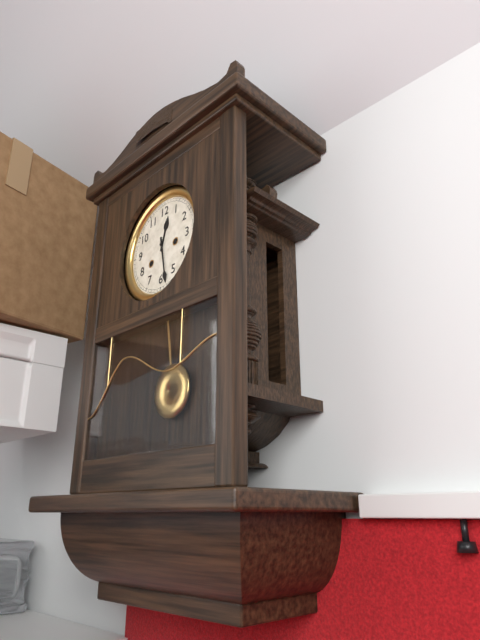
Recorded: 12h28
